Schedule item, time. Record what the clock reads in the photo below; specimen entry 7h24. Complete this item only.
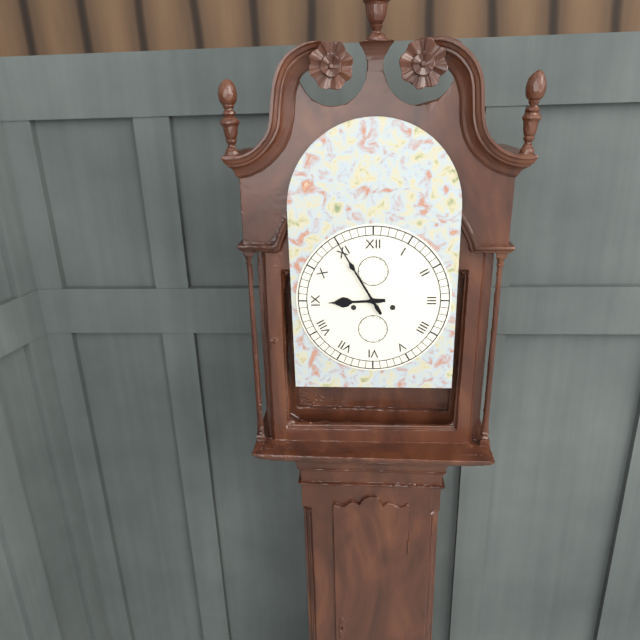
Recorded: 8h55
